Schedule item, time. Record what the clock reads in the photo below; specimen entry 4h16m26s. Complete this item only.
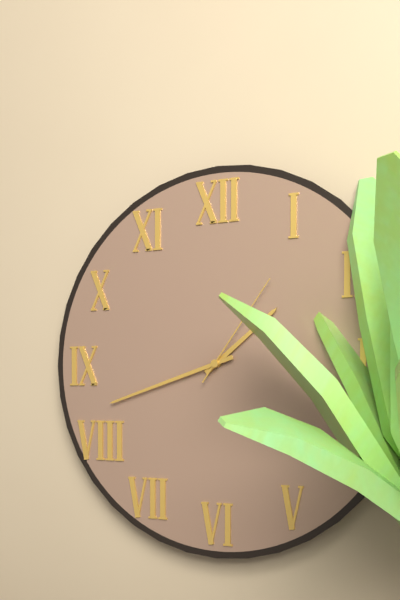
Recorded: 1h42m06s
